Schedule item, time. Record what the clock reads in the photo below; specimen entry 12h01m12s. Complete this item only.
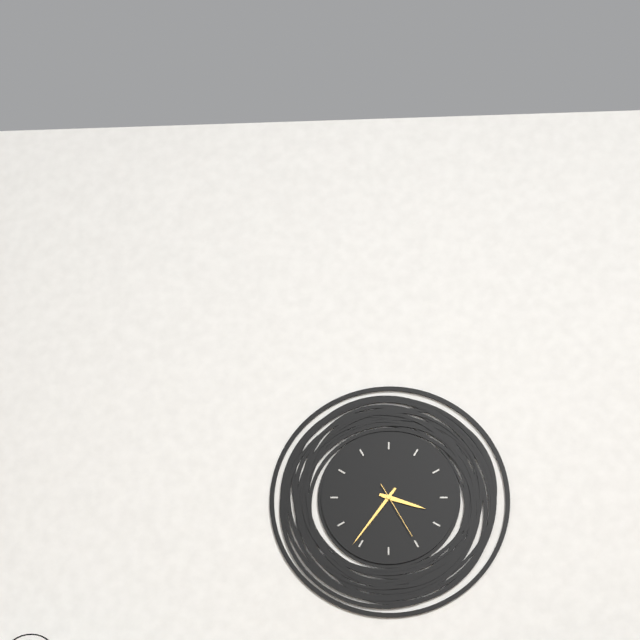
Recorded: 3h36m25s
